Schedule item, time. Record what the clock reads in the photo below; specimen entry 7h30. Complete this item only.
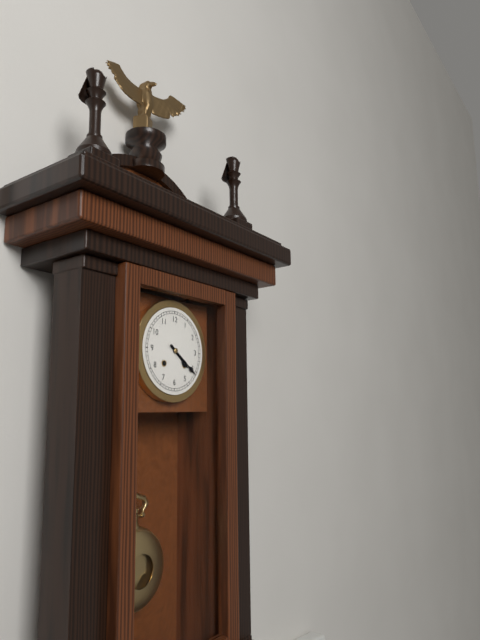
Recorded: 4h21
